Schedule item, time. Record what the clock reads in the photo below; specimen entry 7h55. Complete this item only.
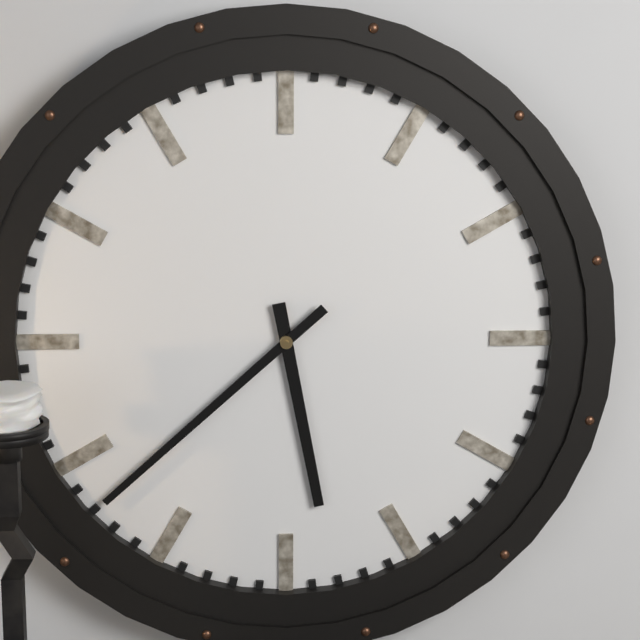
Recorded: 5h38
